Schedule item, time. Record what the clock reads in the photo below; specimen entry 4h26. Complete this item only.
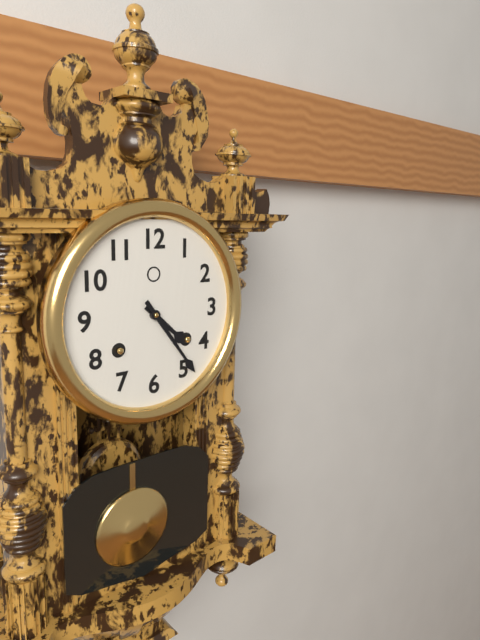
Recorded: 4h24
